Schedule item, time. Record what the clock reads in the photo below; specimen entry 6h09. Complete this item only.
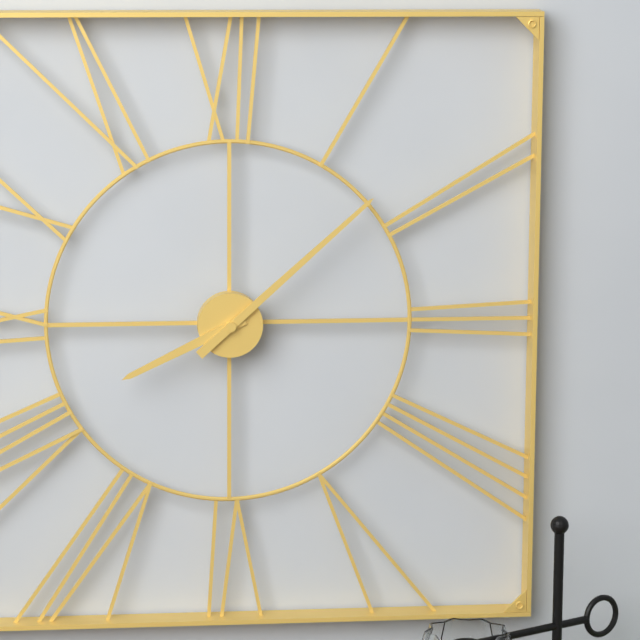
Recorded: 8h08
